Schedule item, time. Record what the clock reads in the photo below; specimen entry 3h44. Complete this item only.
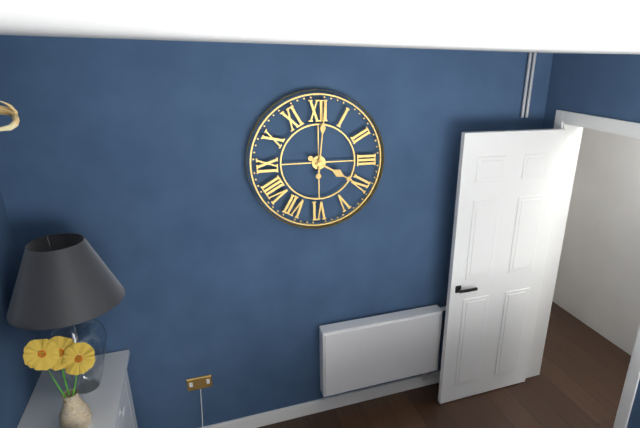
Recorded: 4h01
